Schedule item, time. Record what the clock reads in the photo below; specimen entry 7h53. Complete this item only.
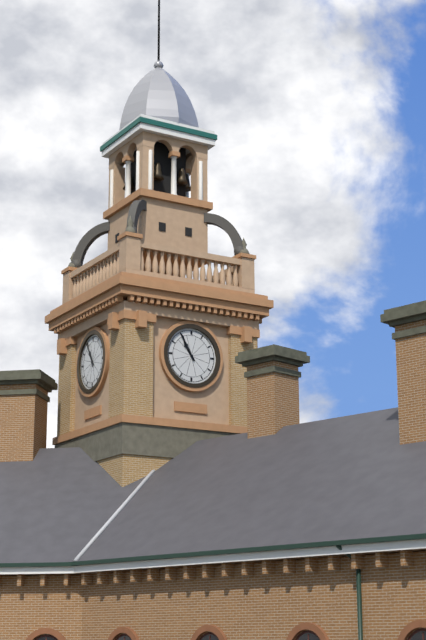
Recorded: 10h55
